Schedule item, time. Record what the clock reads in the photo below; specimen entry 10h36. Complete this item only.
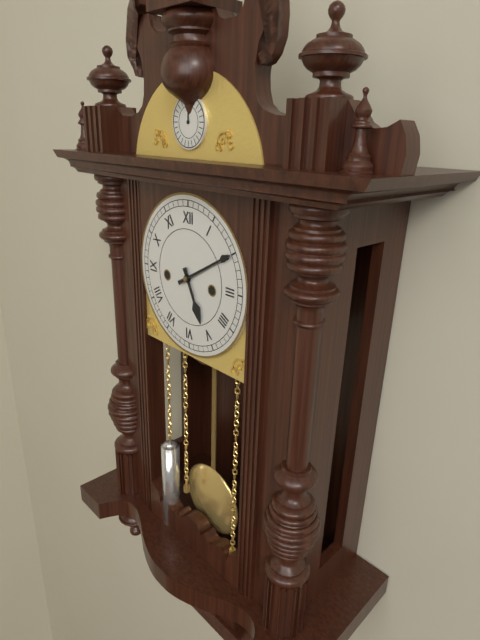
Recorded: 5h10
